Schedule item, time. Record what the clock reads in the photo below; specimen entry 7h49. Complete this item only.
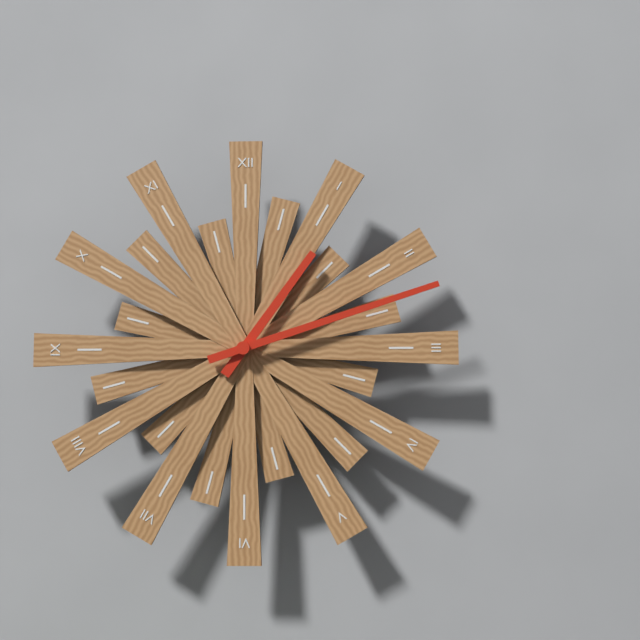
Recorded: 1h12
